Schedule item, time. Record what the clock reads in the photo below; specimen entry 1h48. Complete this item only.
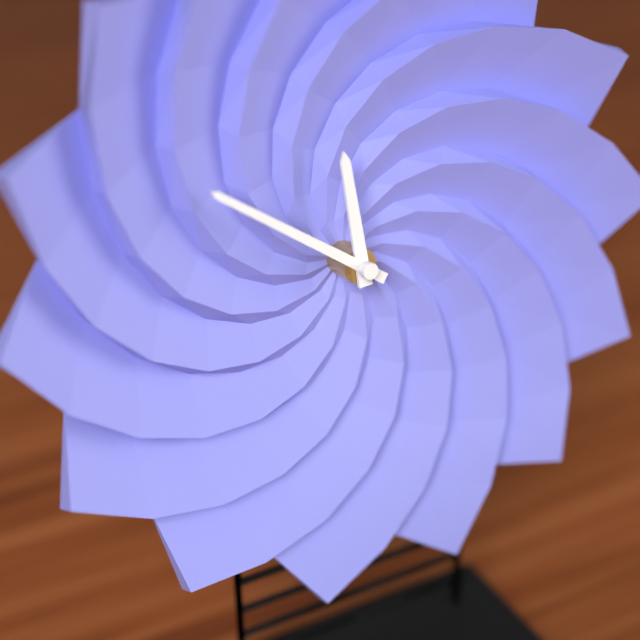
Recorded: 11h51
